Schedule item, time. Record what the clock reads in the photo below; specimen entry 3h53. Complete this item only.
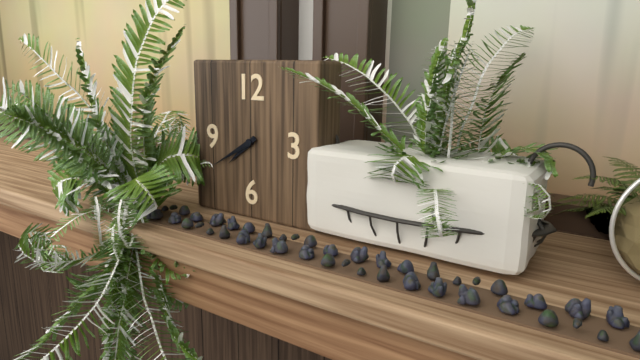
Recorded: 7h40
